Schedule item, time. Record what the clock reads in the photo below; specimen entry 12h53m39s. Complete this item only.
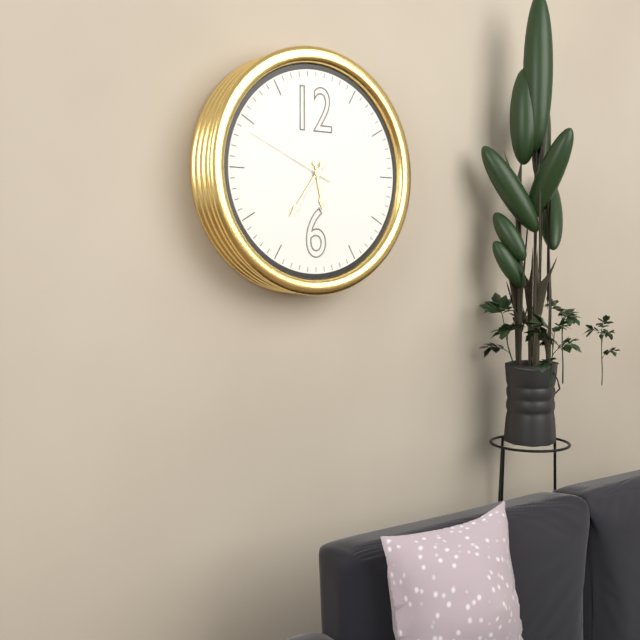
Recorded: 5h36m49s
